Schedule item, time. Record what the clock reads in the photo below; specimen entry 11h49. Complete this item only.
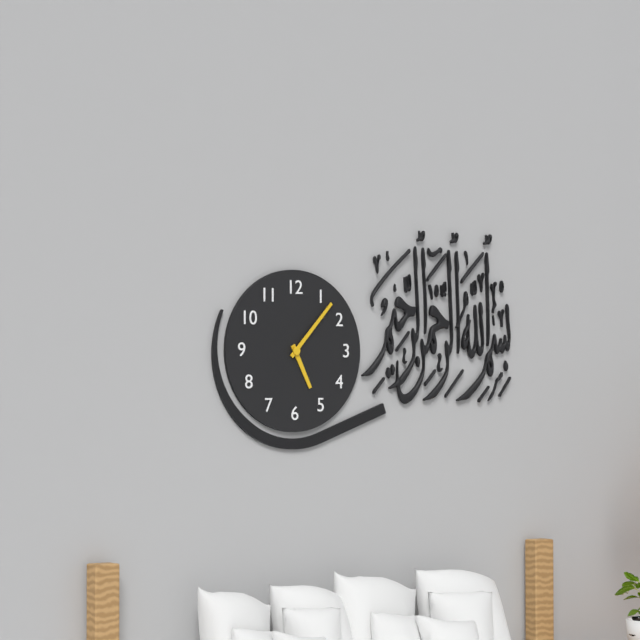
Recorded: 5h07
